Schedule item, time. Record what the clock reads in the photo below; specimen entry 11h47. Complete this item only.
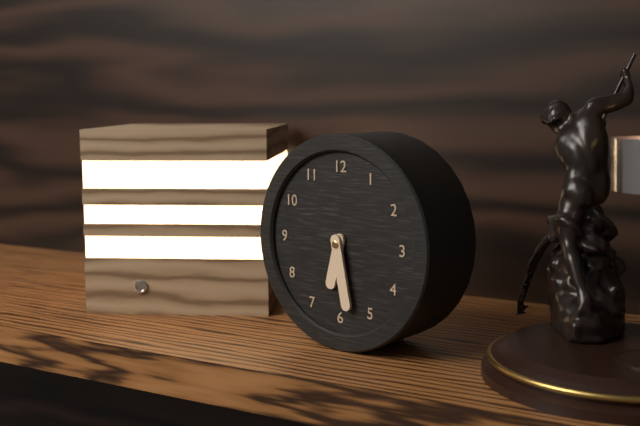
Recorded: 6h28
